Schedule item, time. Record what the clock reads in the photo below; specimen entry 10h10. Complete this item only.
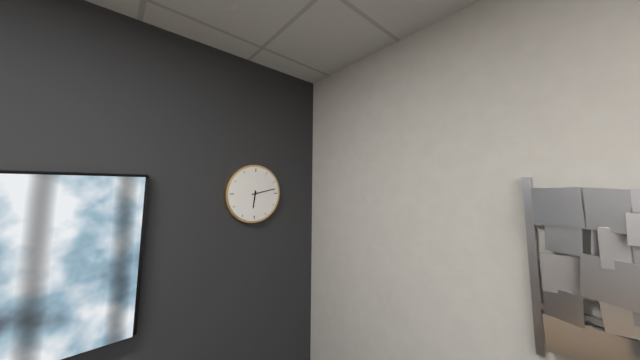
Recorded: 6h13
